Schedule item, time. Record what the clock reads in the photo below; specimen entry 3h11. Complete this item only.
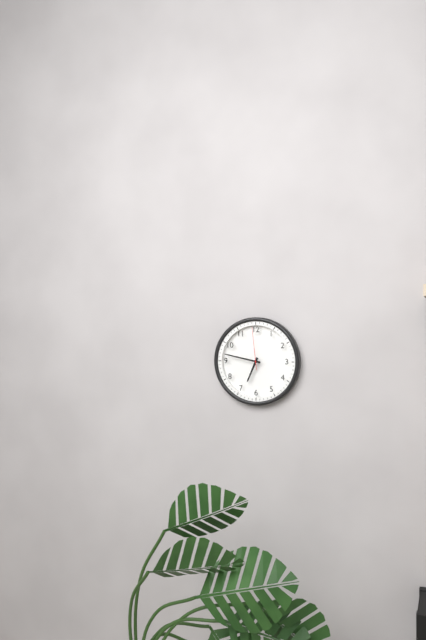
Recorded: 6h47
